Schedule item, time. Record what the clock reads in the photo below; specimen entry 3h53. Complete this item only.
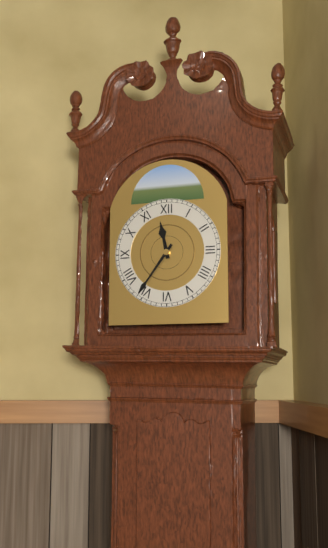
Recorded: 11h36
